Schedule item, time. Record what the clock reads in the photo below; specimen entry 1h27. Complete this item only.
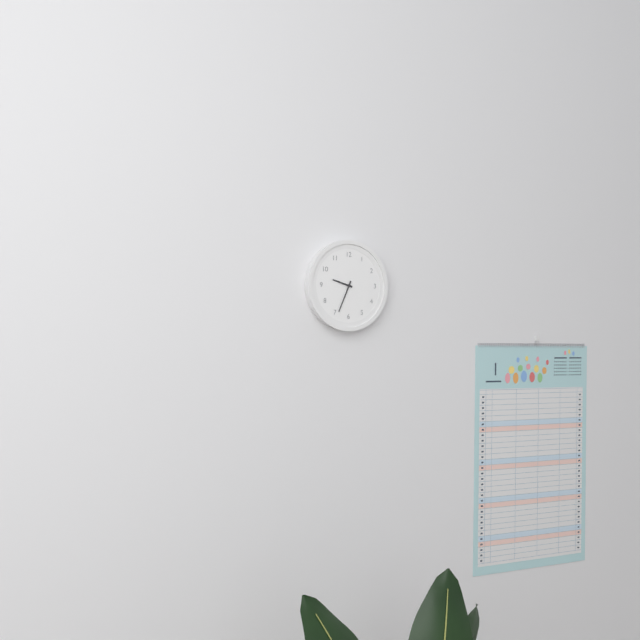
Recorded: 9h34
